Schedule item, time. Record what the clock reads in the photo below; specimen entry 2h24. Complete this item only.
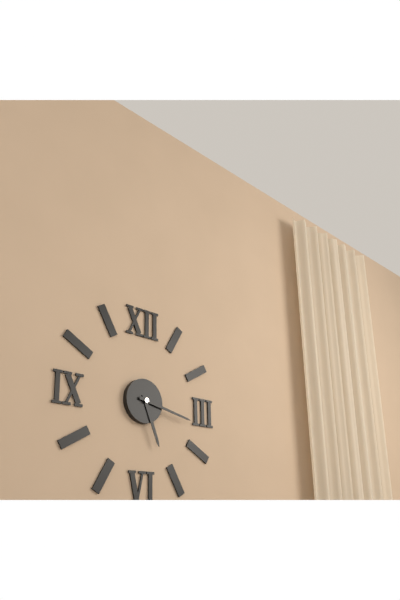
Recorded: 5h17
